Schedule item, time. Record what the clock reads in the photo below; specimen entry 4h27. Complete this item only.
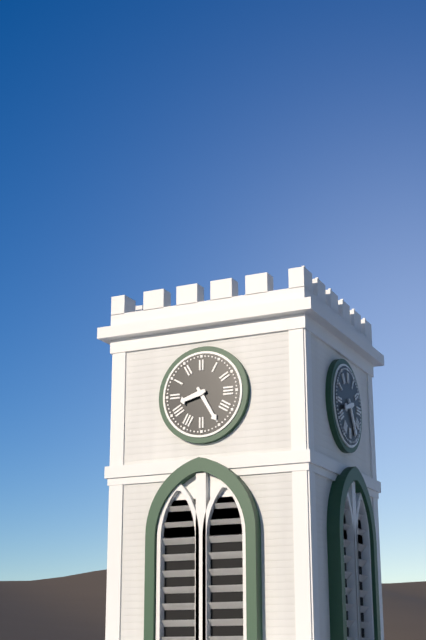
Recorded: 8h25
